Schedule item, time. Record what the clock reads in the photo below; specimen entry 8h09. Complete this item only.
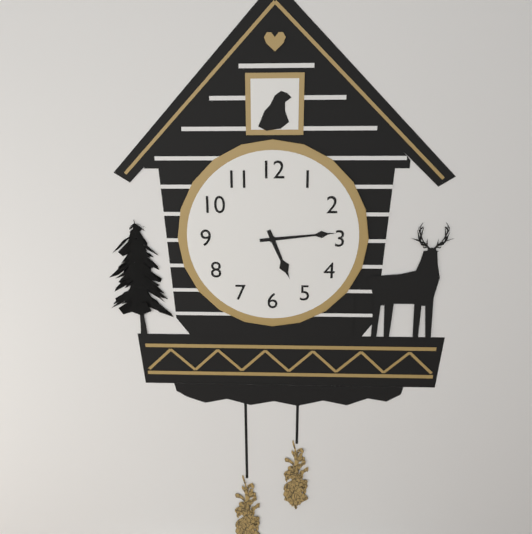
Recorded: 5h14
